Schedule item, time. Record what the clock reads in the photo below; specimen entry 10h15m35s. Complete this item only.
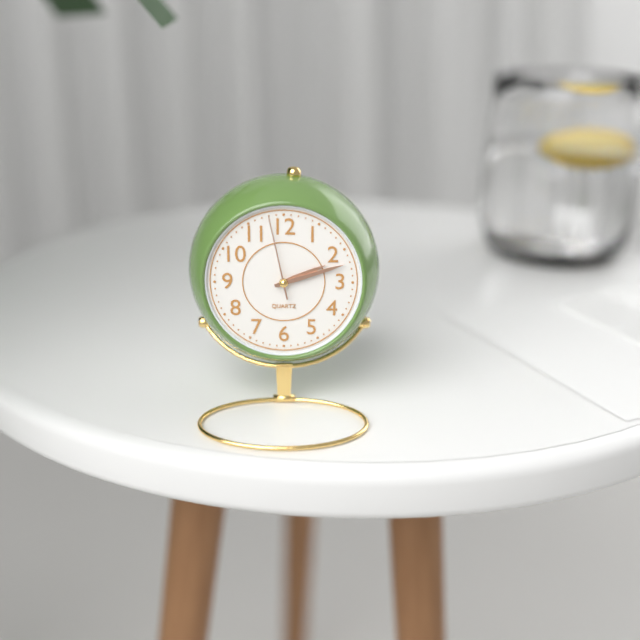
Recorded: 2h12m58s
